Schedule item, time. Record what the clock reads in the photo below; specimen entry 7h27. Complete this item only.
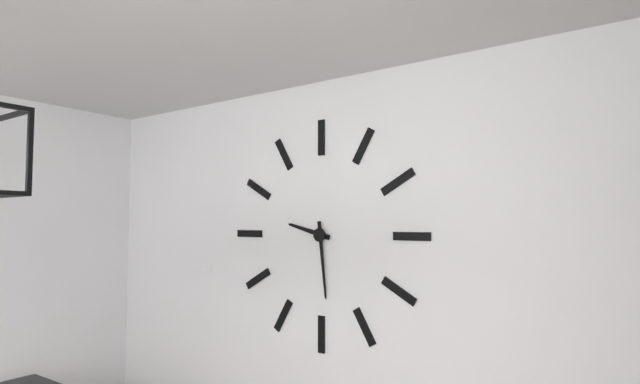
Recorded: 9h29
